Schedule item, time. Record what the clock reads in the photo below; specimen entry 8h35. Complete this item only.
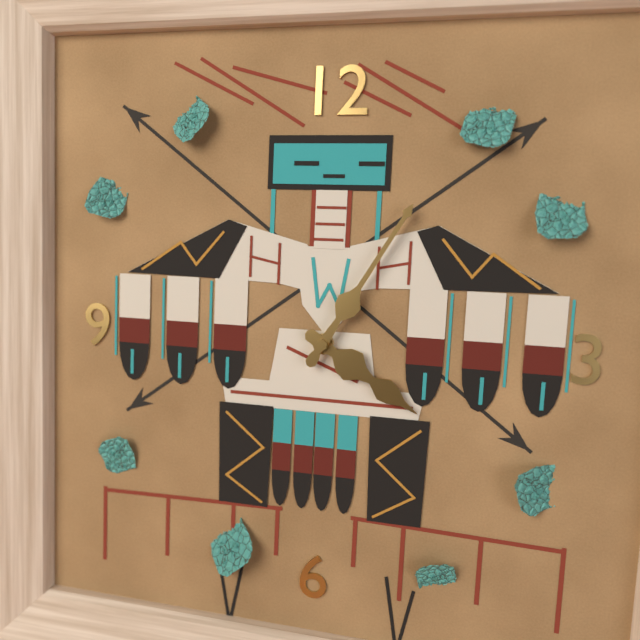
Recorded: 4h05
